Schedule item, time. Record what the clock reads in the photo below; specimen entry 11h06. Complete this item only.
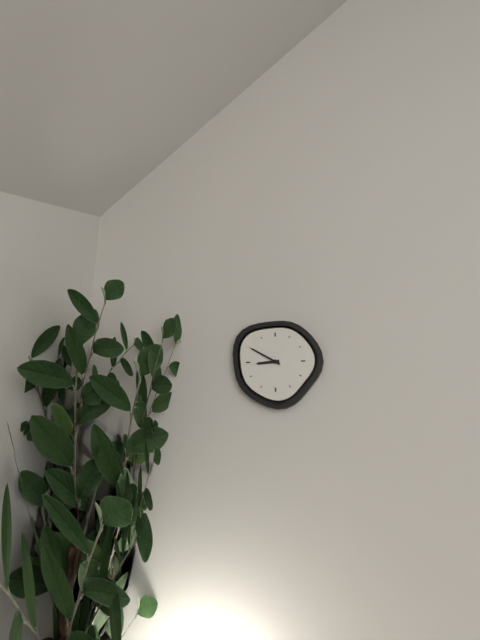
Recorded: 8h50
